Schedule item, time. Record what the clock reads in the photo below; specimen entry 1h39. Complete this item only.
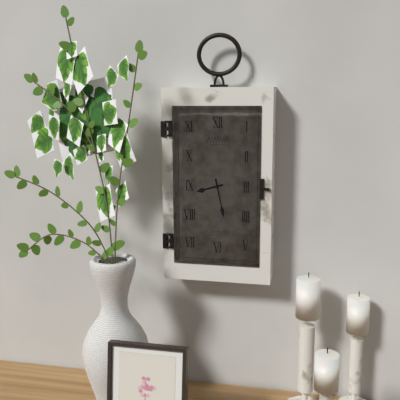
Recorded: 8h28
